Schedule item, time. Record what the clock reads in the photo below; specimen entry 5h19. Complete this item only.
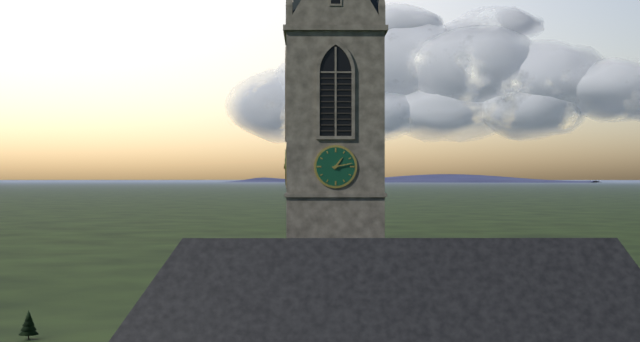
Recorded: 1h13
